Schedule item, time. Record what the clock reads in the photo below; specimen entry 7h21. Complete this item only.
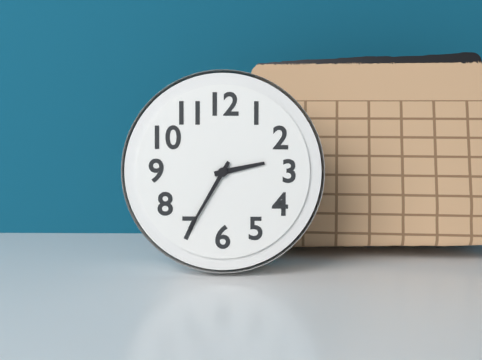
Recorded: 2h35
